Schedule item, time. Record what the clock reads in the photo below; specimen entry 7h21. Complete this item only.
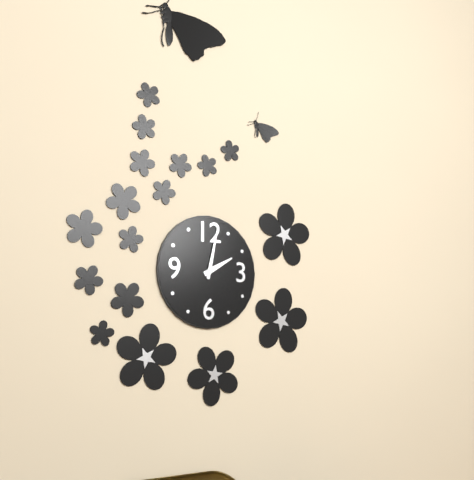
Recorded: 2h02
